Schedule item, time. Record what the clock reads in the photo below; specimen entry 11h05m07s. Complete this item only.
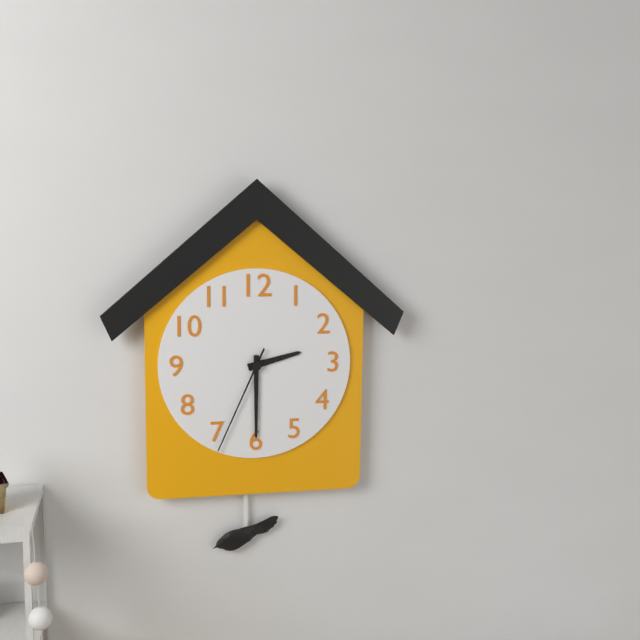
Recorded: 2h30m34s
